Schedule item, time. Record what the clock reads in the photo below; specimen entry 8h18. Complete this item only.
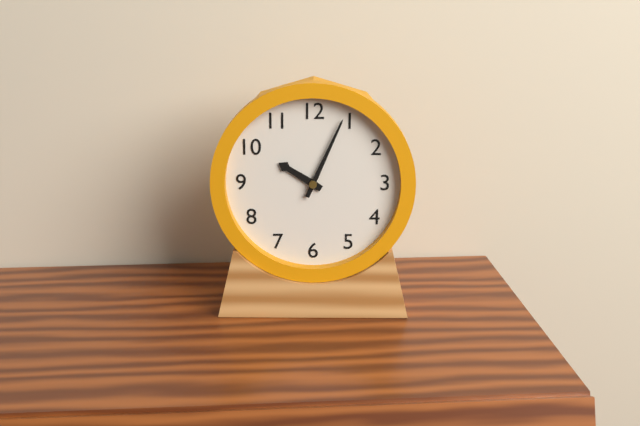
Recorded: 10h04
